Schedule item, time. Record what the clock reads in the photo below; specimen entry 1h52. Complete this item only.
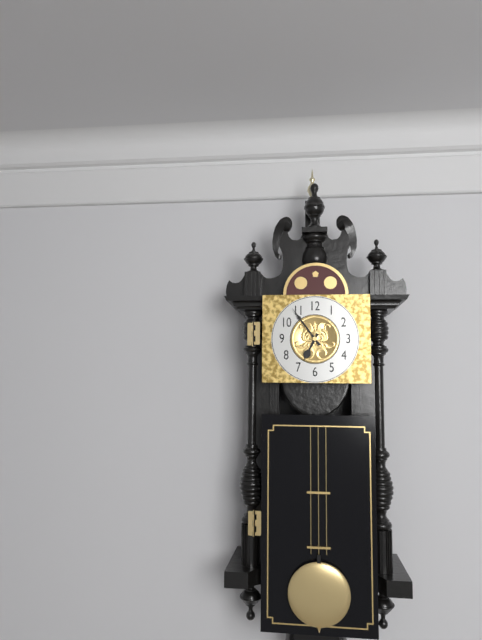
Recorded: 6h54
